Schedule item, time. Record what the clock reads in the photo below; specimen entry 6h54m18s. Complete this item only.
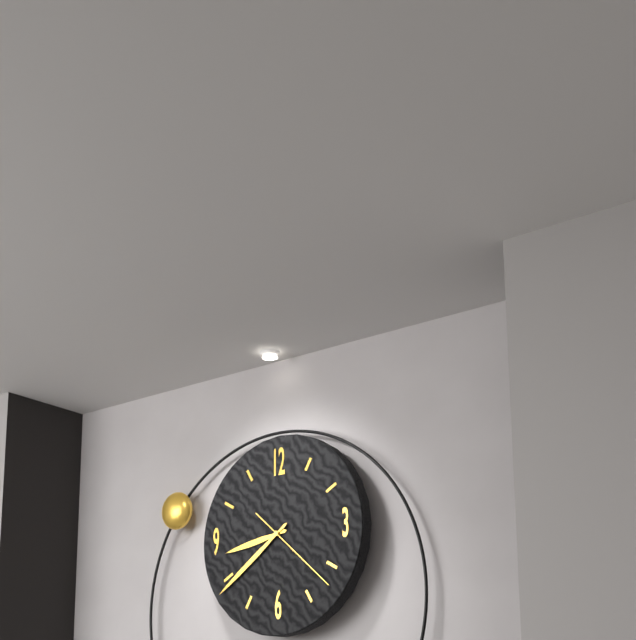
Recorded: 8h39m22s
